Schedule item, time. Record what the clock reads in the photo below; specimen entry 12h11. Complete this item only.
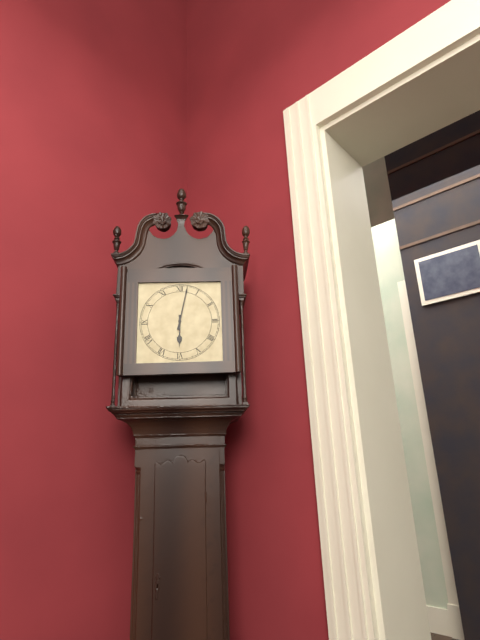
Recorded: 6h02
